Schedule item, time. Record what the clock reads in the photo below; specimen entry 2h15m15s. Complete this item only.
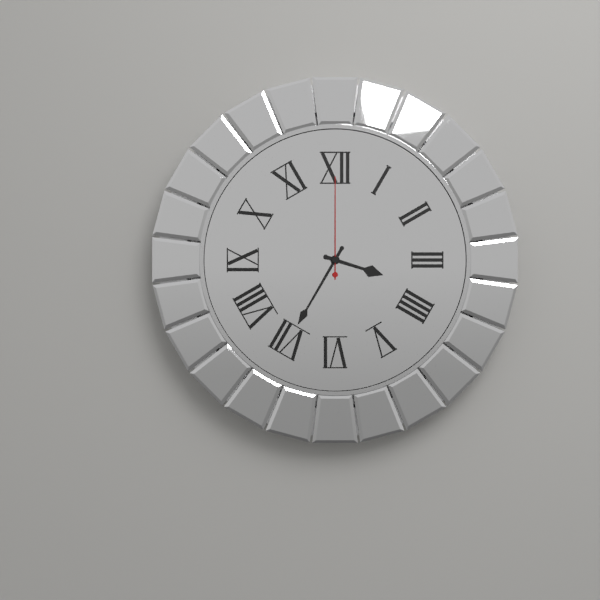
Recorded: 3h35m00s
